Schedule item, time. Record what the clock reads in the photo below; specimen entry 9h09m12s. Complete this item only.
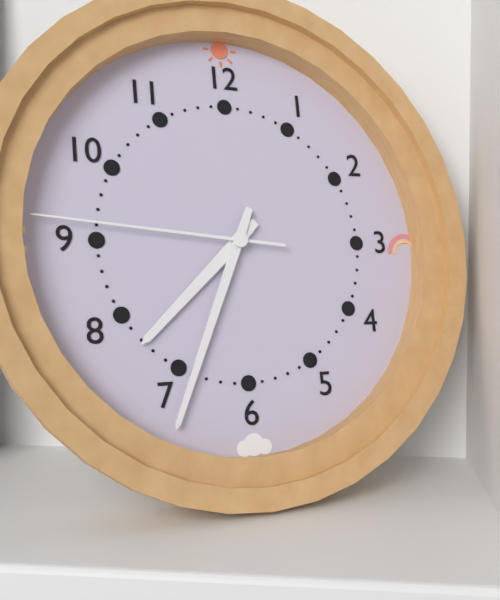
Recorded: 7h34m46s
